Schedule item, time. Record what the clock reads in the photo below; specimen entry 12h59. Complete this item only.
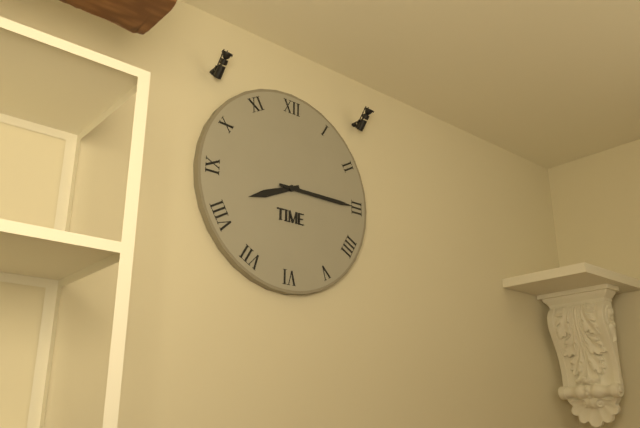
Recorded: 8h15
